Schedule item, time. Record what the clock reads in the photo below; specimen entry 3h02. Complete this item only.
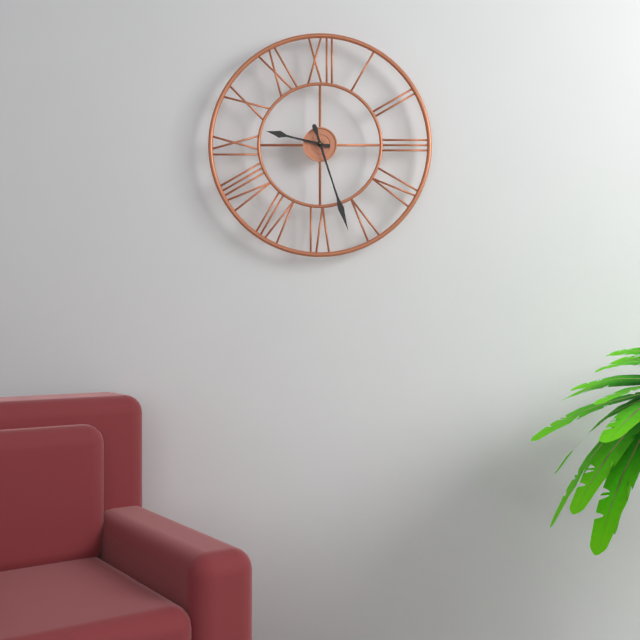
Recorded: 9h27
